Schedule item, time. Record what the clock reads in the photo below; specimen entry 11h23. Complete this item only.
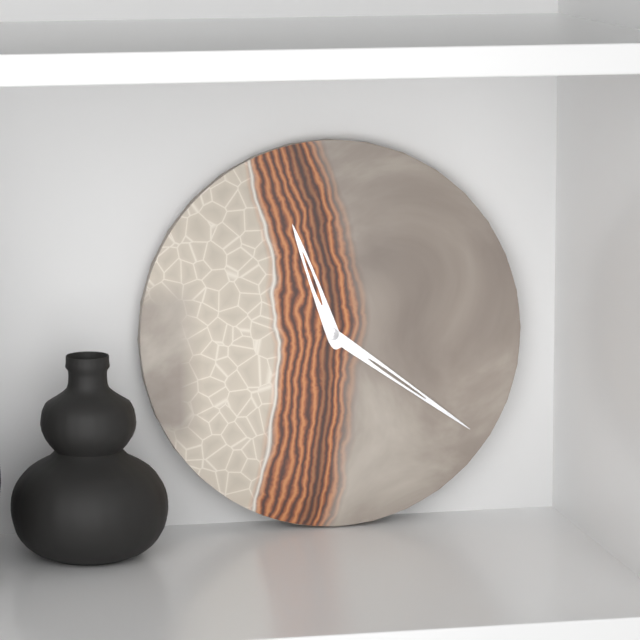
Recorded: 11h21
